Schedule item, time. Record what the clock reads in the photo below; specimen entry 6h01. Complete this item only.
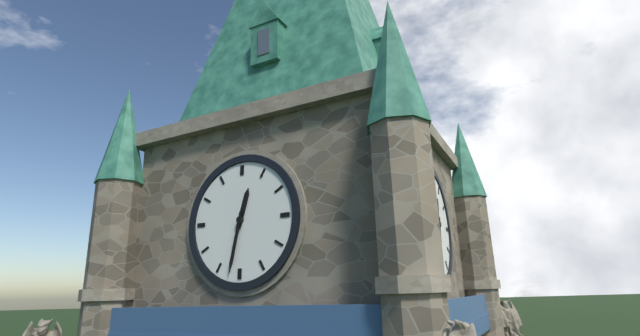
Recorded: 12h32
